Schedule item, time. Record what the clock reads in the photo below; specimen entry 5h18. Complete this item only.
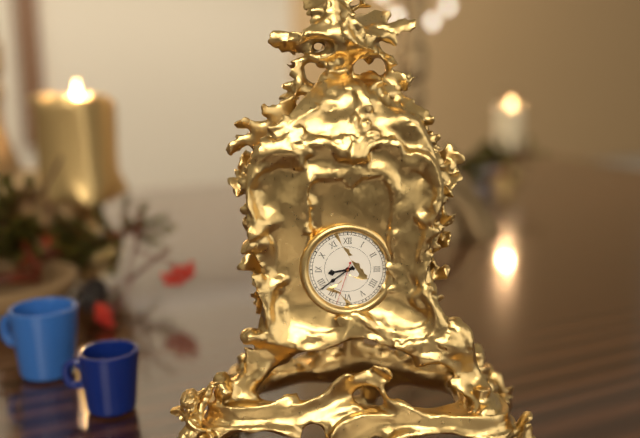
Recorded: 8h39
